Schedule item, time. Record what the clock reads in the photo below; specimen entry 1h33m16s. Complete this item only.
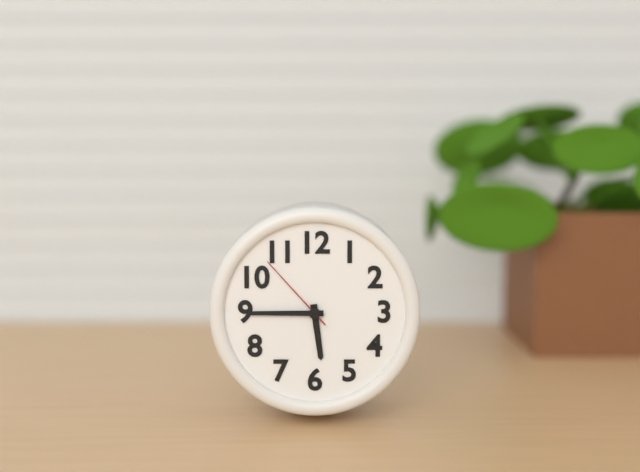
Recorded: 5h45m53s
